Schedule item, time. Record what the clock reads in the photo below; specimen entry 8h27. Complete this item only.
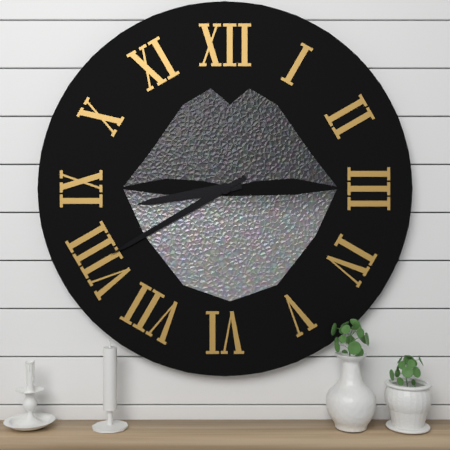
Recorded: 8h40
